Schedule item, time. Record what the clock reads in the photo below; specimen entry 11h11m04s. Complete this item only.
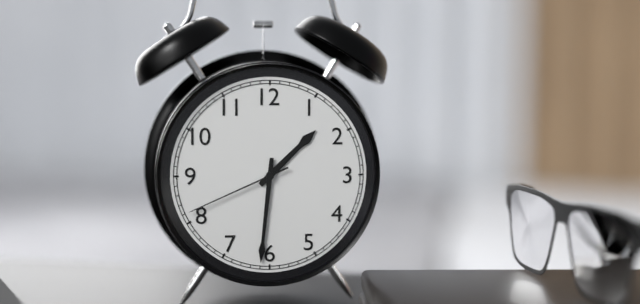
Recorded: 1h31m41s
